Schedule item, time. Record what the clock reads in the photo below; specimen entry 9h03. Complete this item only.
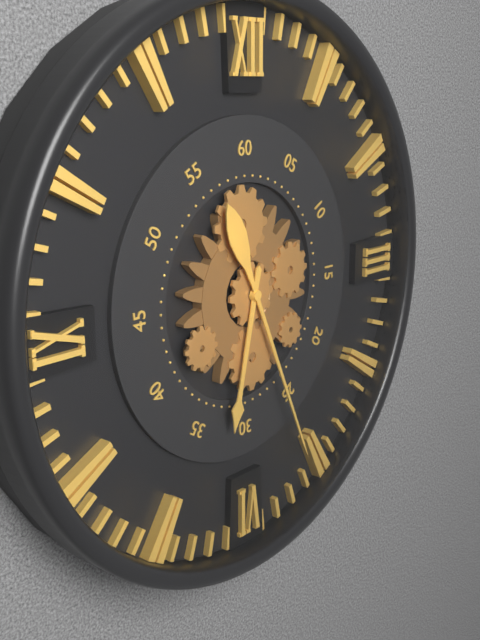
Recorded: 6h26
